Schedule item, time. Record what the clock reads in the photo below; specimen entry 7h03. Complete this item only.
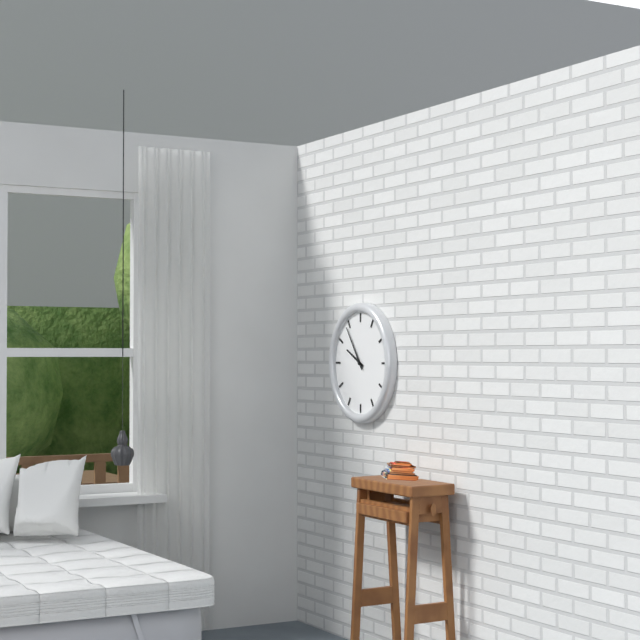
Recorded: 9h54
